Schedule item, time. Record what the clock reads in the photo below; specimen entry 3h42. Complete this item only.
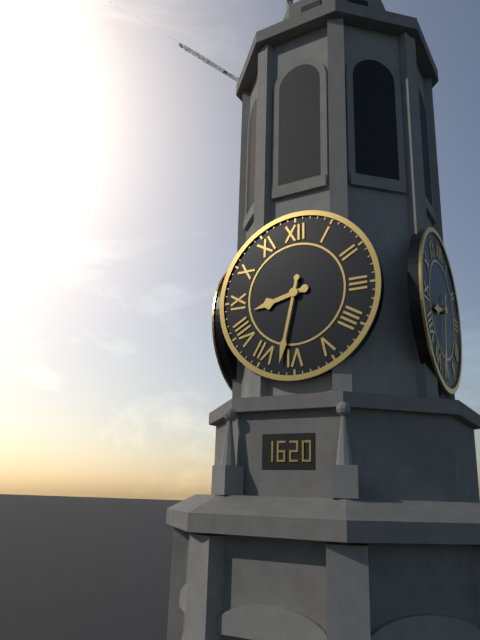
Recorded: 8h32
